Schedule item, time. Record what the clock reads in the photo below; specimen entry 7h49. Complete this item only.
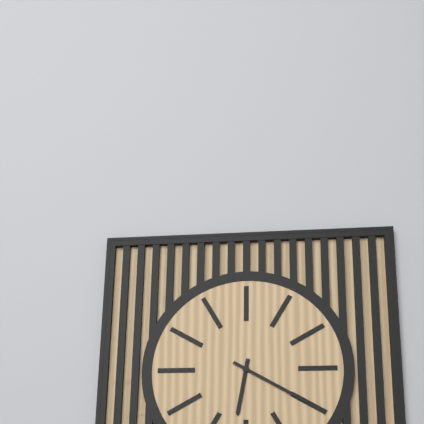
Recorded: 6h20
